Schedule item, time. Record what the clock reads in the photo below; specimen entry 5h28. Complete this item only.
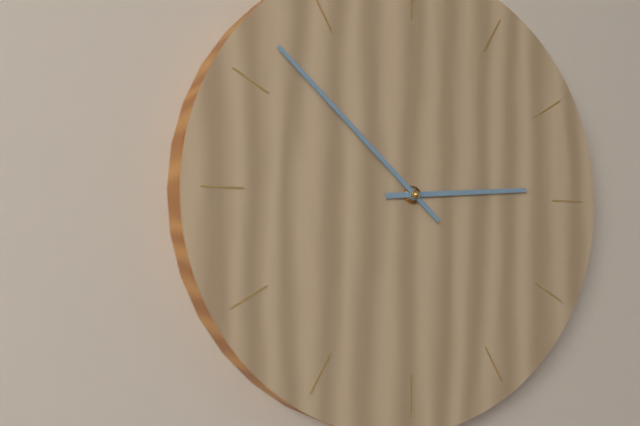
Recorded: 2h52
